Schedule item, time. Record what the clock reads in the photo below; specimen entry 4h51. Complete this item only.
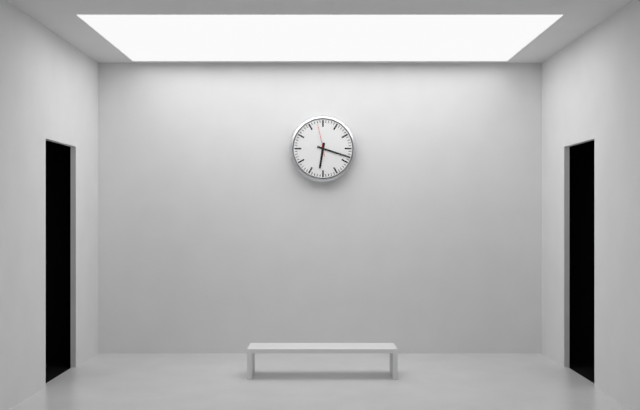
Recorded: 6h18
